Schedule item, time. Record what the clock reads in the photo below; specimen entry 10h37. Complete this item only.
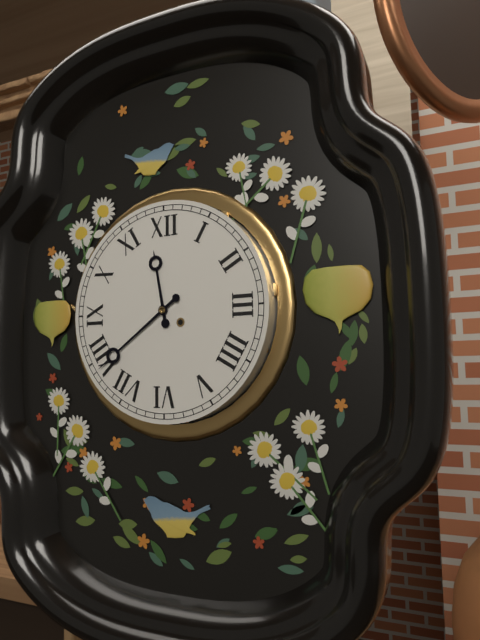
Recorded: 11h39
